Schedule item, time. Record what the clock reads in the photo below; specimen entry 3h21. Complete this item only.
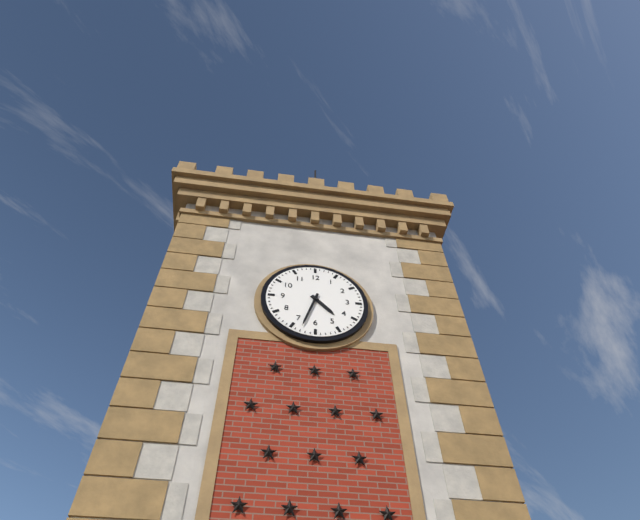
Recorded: 4h33
